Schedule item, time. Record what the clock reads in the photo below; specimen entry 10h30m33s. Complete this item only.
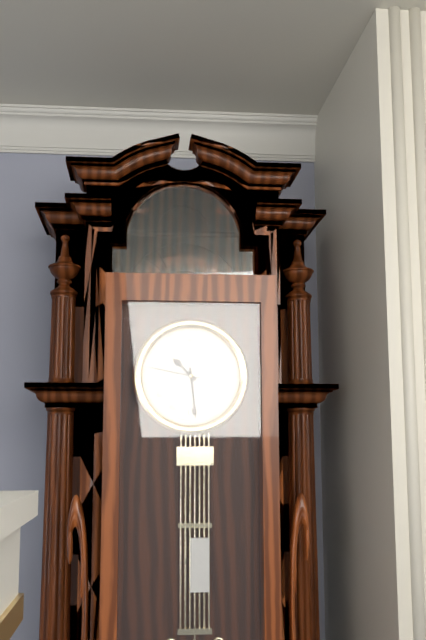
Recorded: 10h29m47s
